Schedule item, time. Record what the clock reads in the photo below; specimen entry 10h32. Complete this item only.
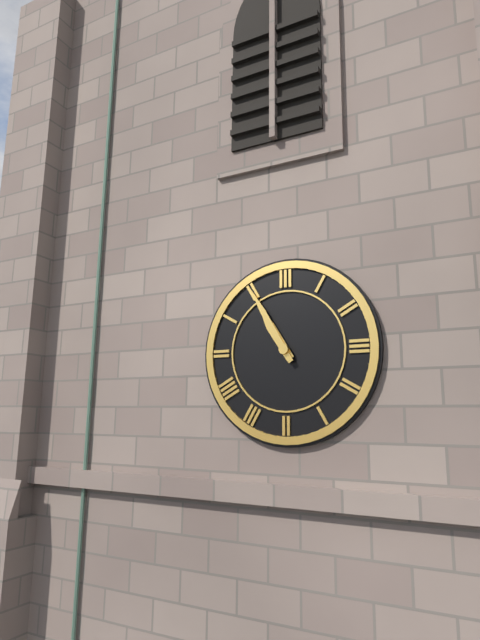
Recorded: 10h55
